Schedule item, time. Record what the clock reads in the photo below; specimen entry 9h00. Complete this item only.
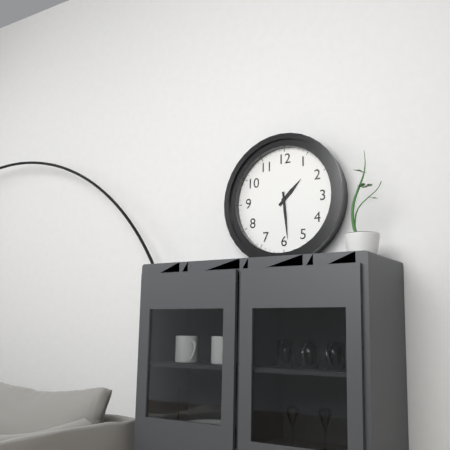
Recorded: 1h29
